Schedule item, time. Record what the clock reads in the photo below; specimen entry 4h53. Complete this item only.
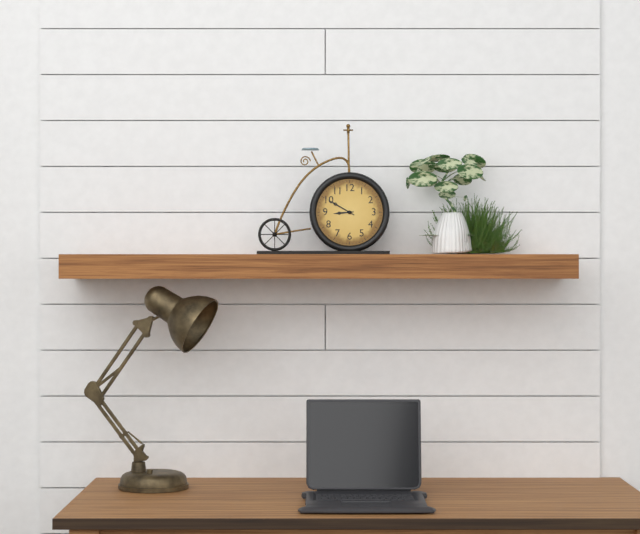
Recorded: 8h50
